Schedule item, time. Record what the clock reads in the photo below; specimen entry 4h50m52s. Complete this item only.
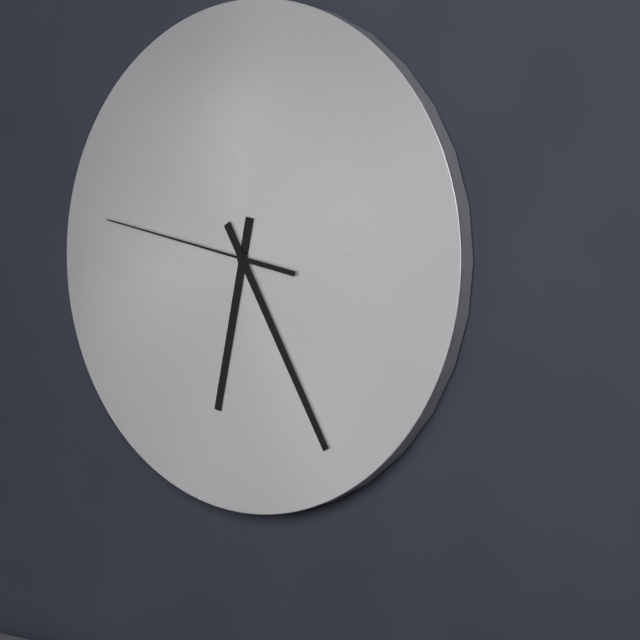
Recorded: 6h25m47s
